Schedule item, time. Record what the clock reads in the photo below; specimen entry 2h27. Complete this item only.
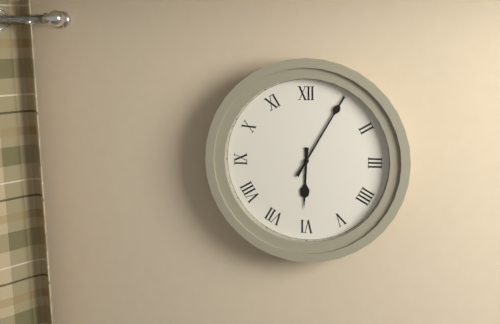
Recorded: 6h05
